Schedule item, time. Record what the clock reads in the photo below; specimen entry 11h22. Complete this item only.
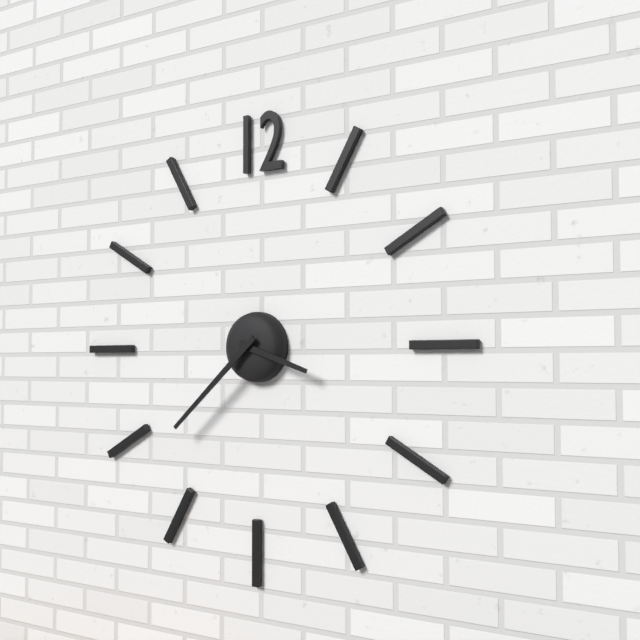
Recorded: 3h38
